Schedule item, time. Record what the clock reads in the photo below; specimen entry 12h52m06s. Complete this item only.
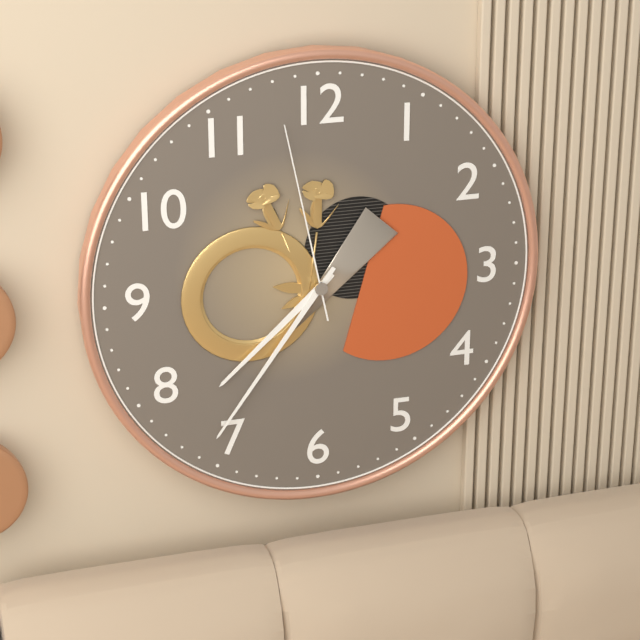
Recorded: 7h36m58s
